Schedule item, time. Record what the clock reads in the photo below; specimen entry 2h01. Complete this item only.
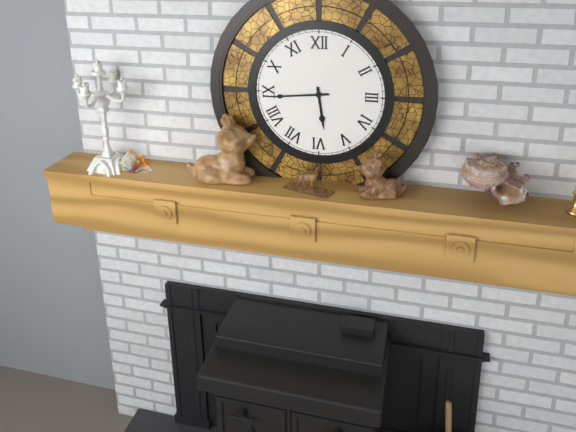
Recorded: 5h44
